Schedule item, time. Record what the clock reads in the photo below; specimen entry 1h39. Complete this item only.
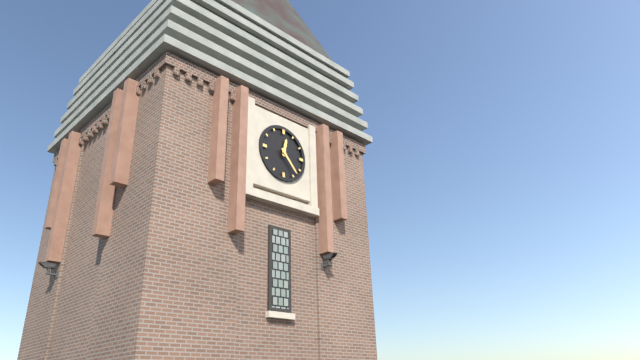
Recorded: 12h23
